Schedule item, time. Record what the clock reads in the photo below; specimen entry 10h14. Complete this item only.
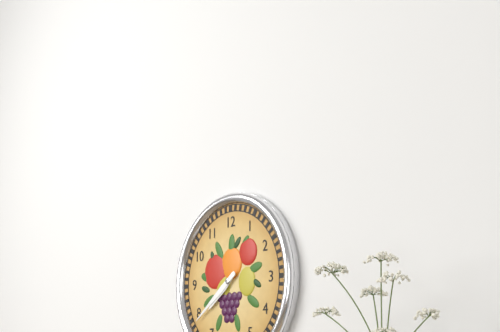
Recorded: 7h39
